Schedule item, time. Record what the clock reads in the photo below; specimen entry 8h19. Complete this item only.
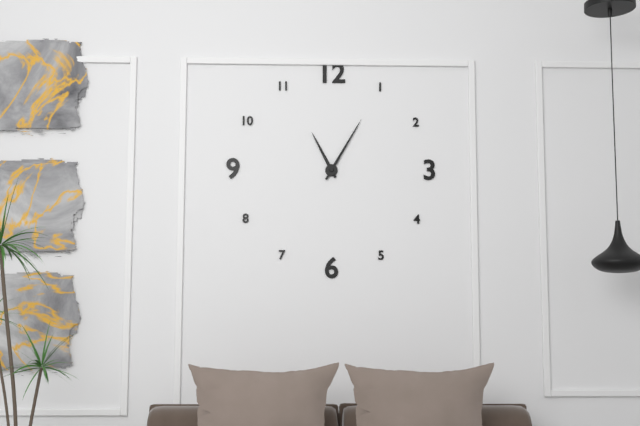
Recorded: 11h05
